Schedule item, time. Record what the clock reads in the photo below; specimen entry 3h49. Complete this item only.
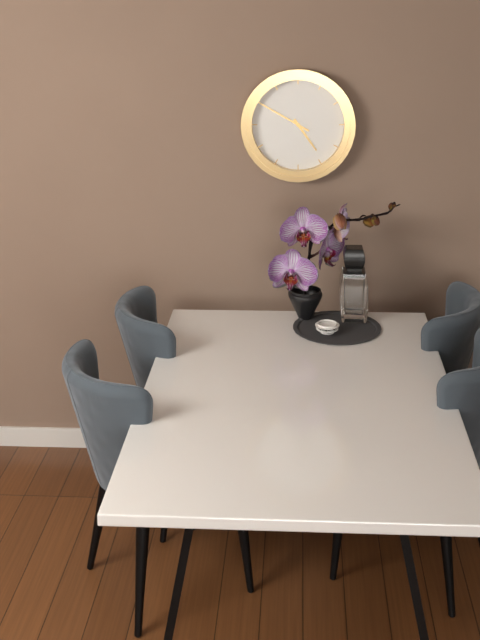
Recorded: 4h50
